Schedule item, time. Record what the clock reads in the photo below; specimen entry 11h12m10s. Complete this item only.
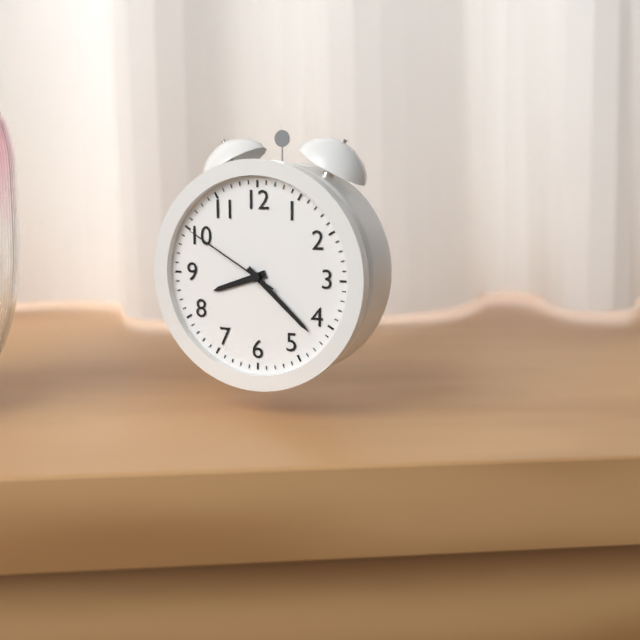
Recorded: 8h22m50s
